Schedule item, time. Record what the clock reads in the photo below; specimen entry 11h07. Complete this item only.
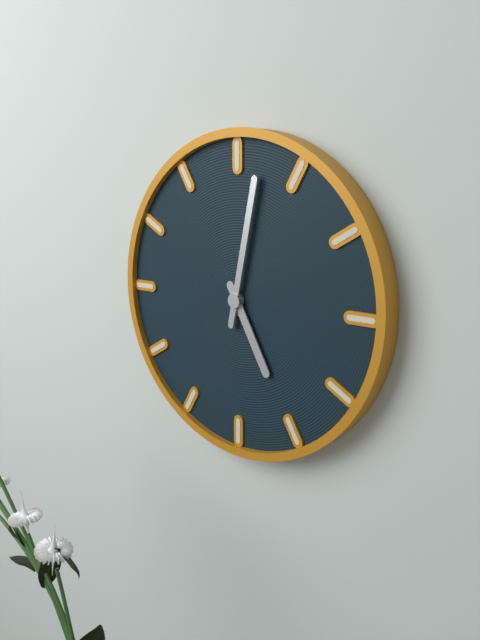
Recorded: 5h02
